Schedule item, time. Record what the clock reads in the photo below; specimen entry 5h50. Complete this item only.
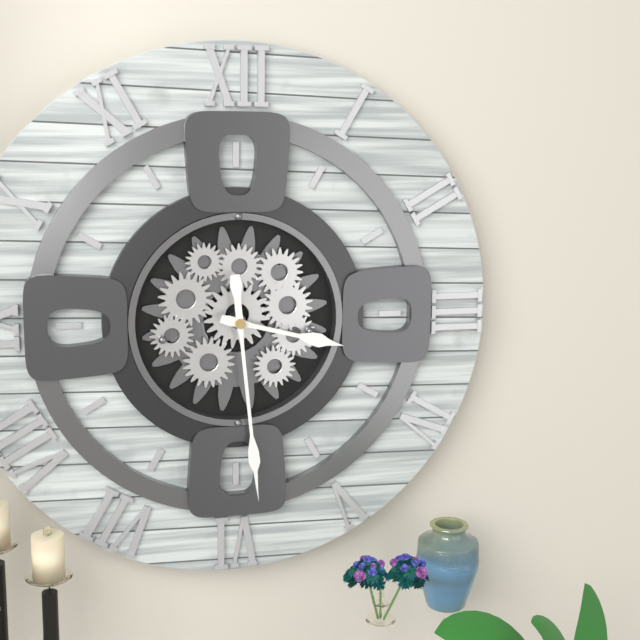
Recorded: 3h29
